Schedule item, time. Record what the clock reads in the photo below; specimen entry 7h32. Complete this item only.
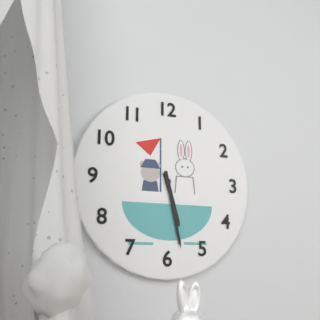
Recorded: 5h28
